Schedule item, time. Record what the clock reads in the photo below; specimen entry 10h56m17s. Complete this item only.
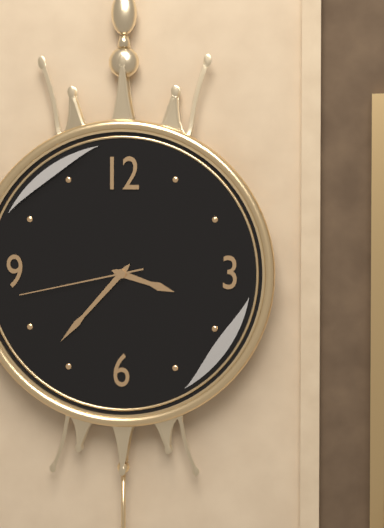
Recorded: 3h37m43s
